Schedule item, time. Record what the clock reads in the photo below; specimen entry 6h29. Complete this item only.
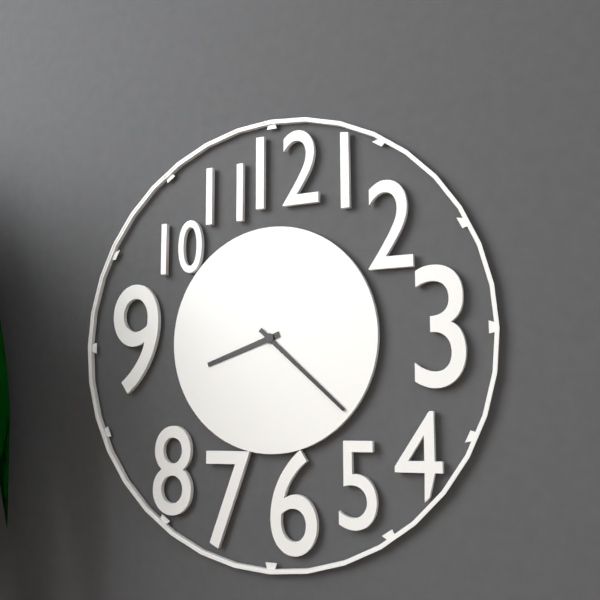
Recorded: 8h22
